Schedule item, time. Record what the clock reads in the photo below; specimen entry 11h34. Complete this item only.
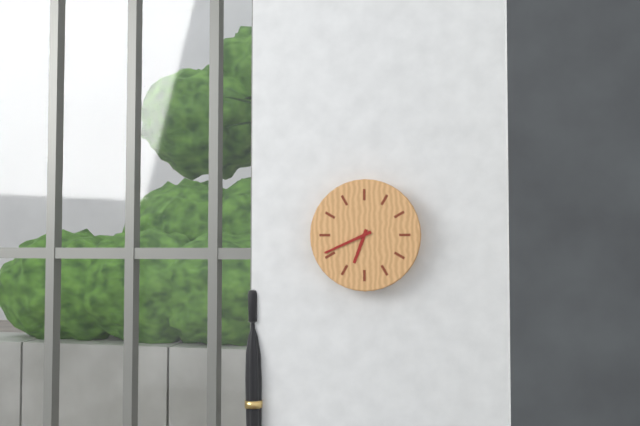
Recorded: 6h41
